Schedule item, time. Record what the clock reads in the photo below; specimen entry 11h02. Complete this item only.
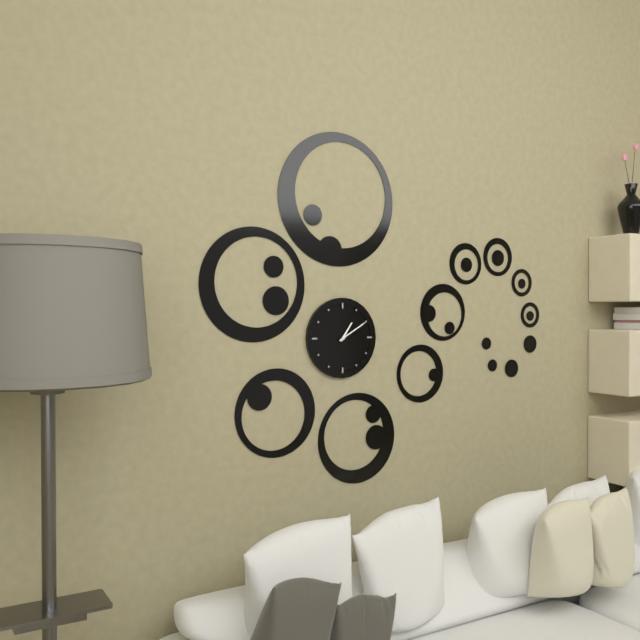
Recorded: 1h10
